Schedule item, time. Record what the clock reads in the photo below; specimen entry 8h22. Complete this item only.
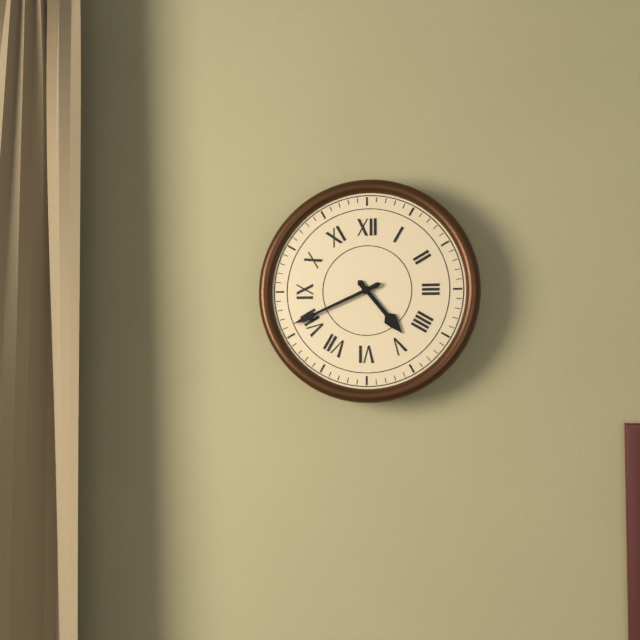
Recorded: 4h41
